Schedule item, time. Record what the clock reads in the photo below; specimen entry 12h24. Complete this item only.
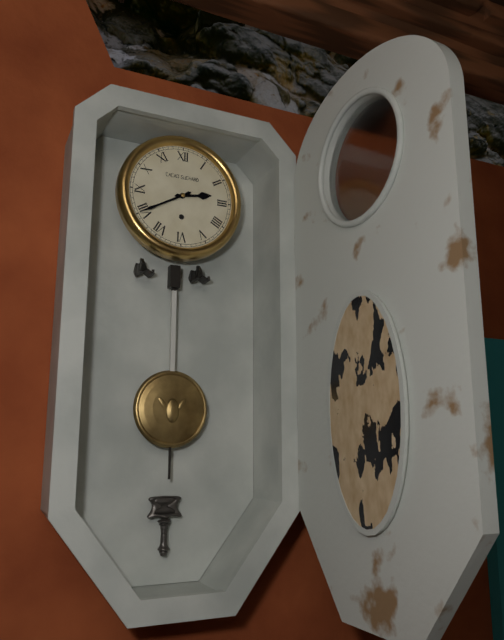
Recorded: 2h40
